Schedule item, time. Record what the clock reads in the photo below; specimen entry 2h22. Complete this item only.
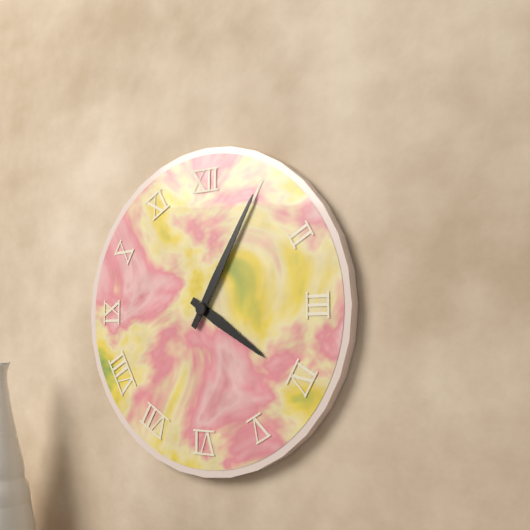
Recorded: 4h05
